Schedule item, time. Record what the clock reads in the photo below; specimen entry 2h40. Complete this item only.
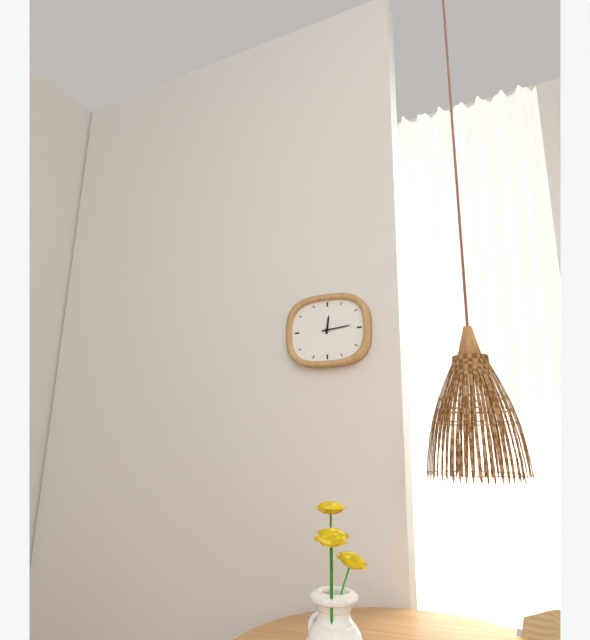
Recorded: 12h14
